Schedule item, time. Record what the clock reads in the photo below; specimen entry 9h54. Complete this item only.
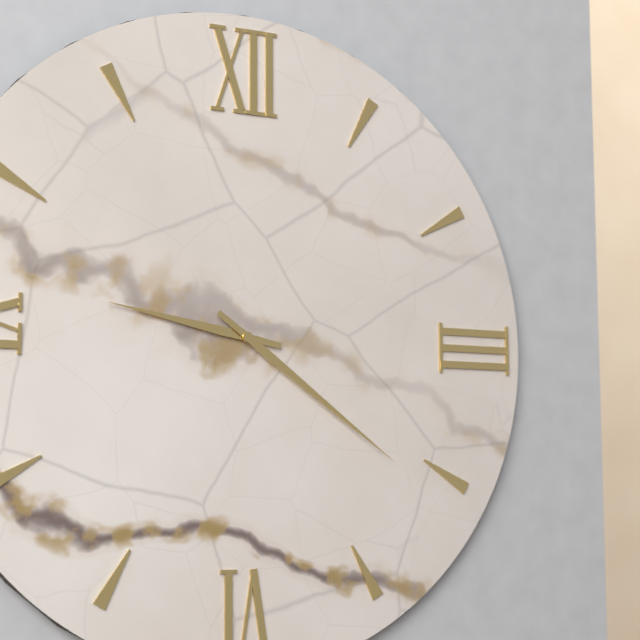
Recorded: 9h21
